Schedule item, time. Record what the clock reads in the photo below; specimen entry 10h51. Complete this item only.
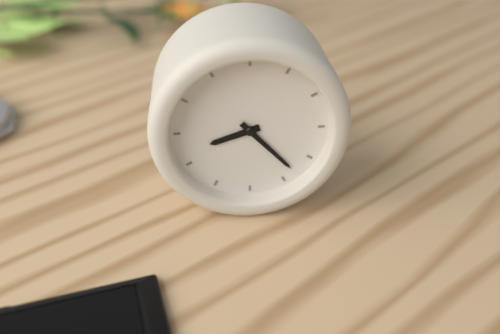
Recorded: 8h23
